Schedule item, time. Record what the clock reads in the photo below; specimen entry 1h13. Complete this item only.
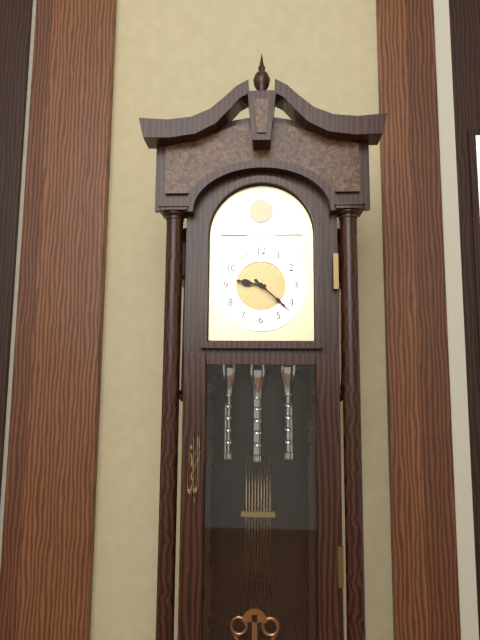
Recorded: 9h22
